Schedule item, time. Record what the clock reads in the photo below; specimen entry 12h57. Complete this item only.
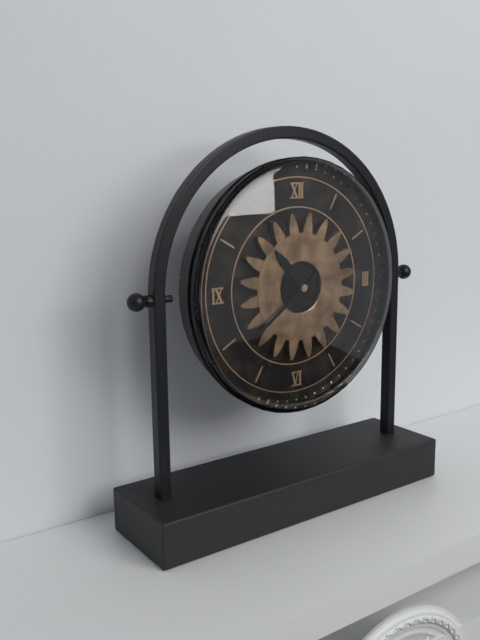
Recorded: 10h39
